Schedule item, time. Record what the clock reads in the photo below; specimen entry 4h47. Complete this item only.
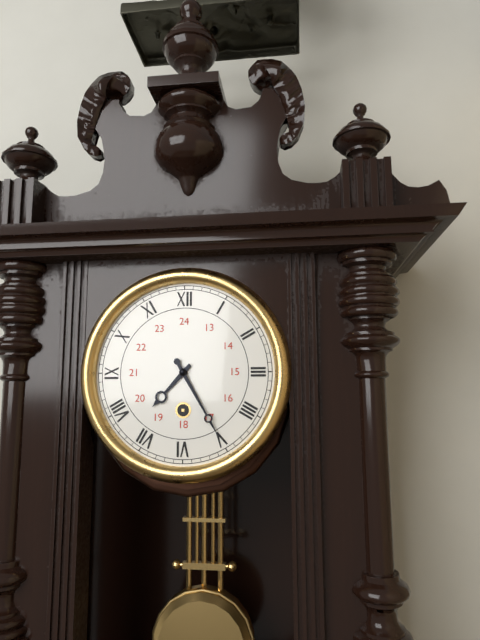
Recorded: 7h25
